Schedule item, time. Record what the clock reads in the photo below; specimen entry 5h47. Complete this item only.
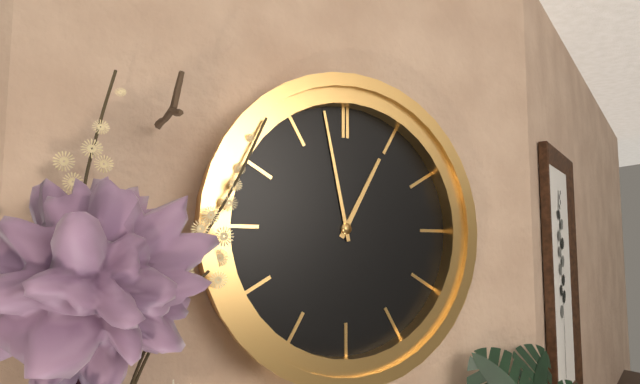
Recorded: 12h58
